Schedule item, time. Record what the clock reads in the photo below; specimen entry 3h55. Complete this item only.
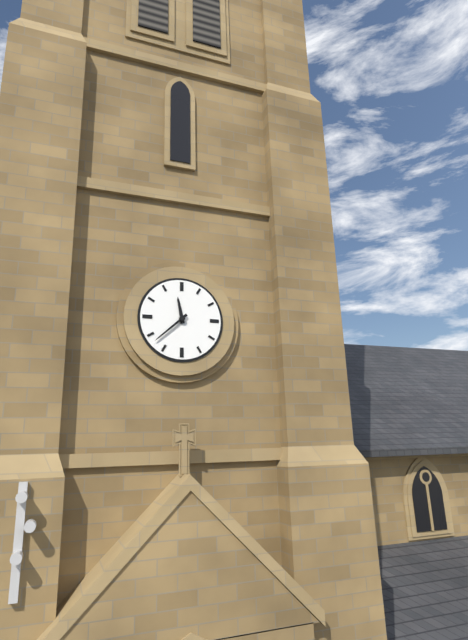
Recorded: 11h38
